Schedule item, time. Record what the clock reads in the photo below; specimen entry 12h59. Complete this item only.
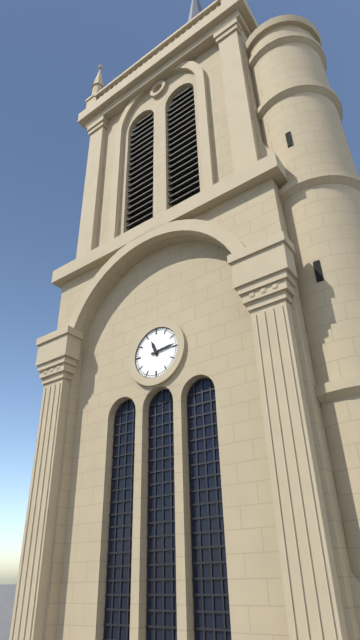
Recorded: 11h14
